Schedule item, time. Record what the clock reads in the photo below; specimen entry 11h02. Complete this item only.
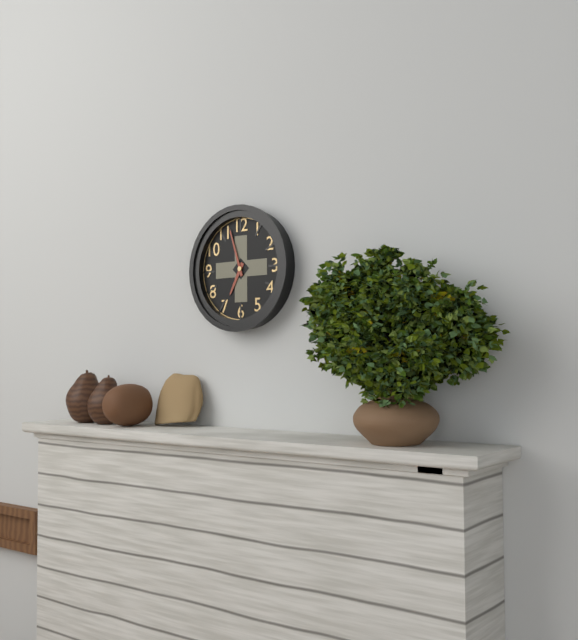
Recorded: 6h57
